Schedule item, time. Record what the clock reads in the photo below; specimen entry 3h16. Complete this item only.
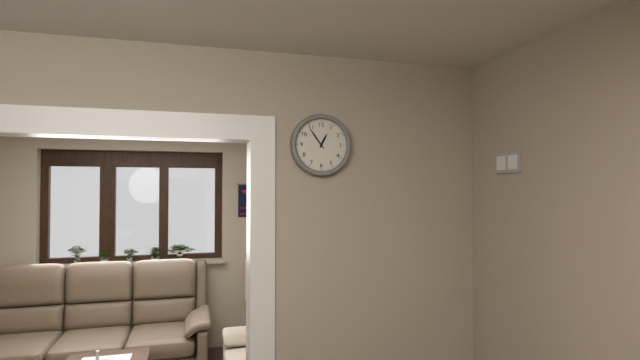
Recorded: 12h54
